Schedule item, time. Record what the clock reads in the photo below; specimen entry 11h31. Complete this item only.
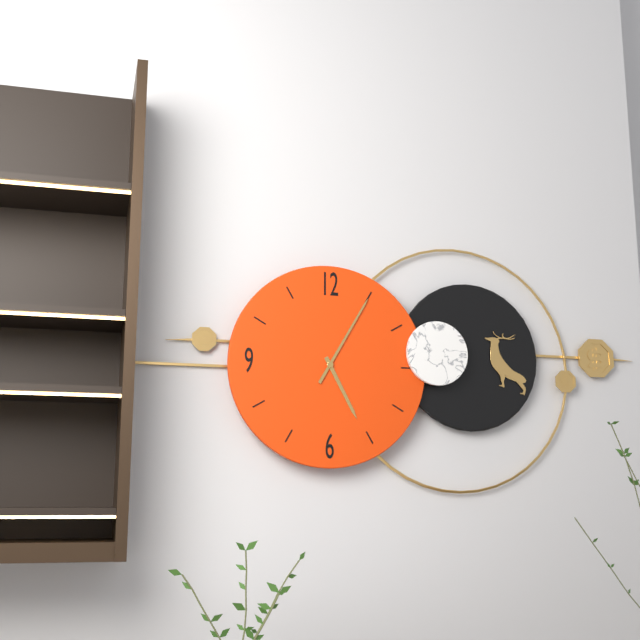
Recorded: 5h05
